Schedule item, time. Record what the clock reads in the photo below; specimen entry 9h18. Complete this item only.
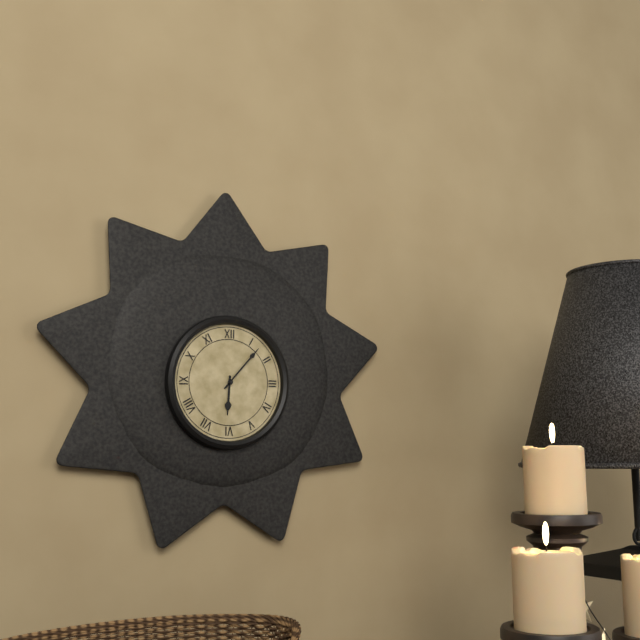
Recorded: 6h07
